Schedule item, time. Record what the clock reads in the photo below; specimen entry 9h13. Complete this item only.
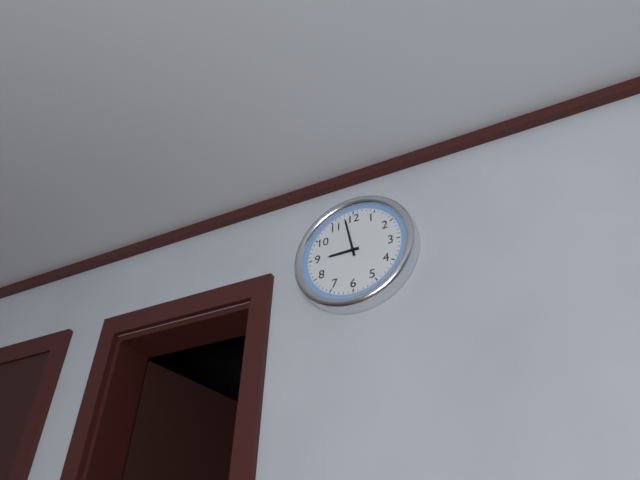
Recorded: 8h58
